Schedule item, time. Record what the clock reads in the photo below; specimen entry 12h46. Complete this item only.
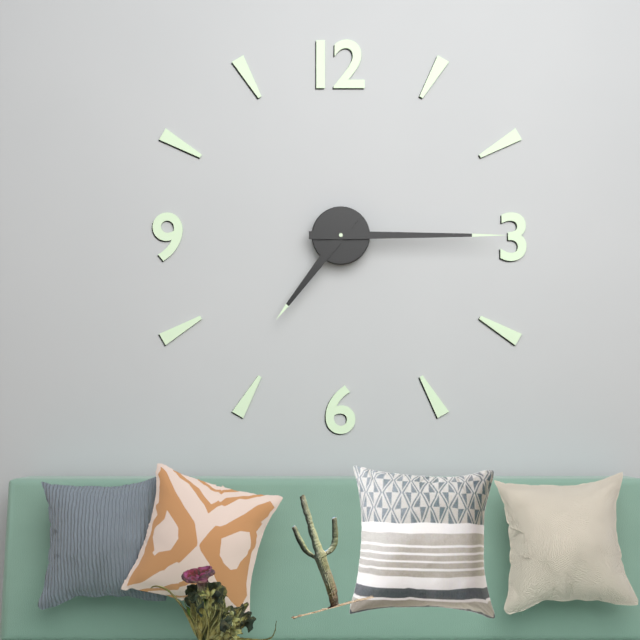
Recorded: 7h15
